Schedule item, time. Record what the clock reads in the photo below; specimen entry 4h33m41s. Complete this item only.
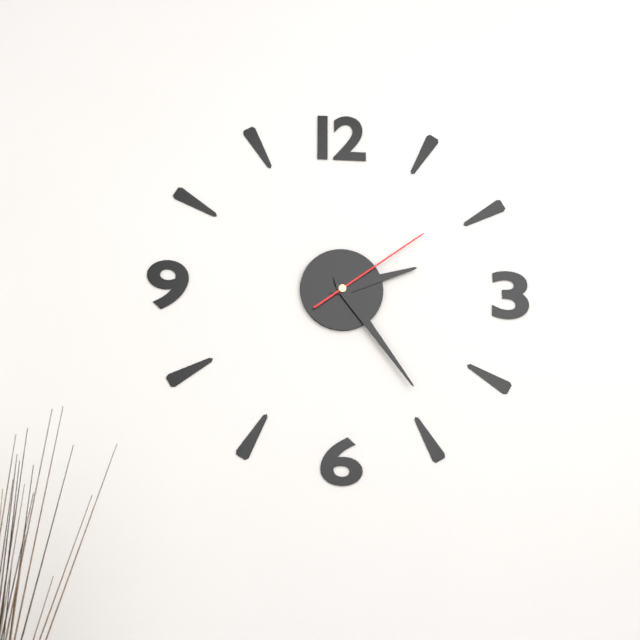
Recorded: 2h24m09s
